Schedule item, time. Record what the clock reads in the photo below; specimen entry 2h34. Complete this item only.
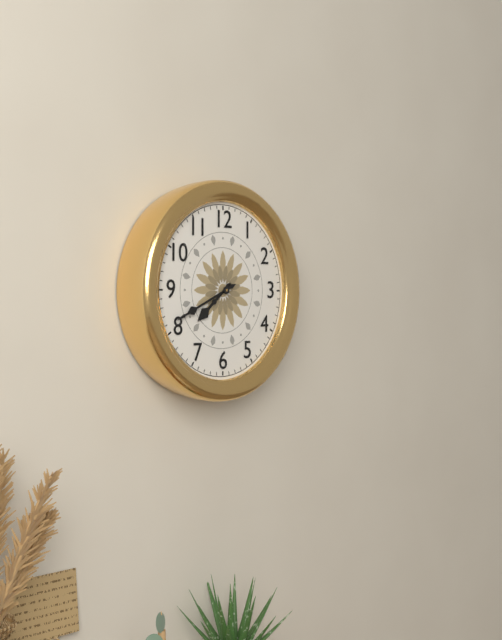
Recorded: 7h41
